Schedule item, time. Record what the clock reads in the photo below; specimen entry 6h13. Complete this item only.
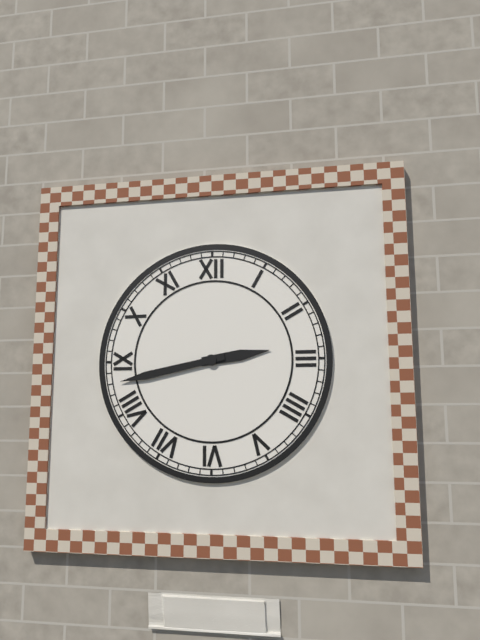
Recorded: 2h43
